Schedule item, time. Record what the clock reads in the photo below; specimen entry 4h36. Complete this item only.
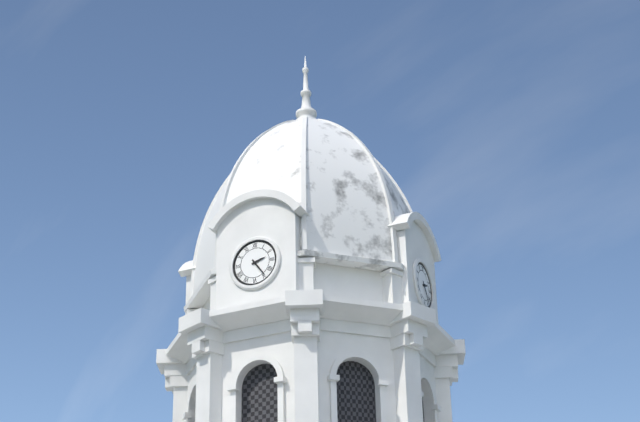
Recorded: 2h24
